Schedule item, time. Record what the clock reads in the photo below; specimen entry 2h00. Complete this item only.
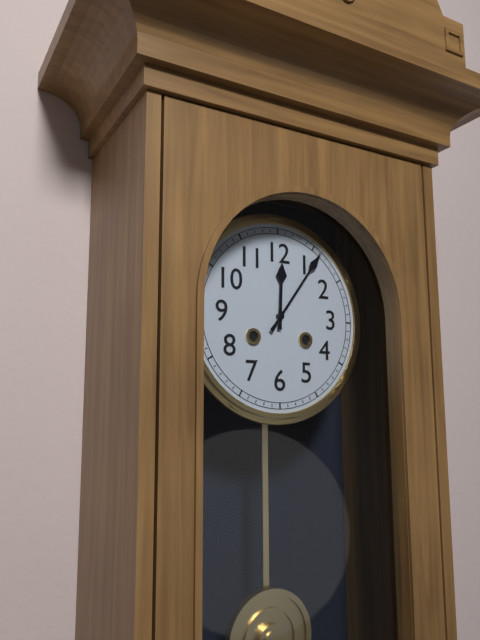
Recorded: 12h06
